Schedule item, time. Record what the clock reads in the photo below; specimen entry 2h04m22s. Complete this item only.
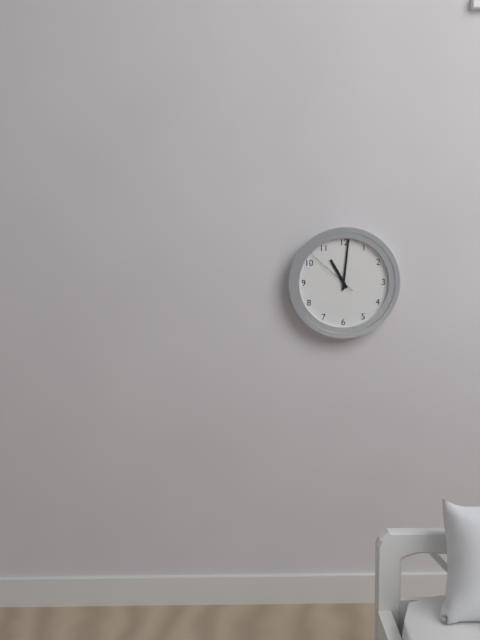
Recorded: 11h01m52s
